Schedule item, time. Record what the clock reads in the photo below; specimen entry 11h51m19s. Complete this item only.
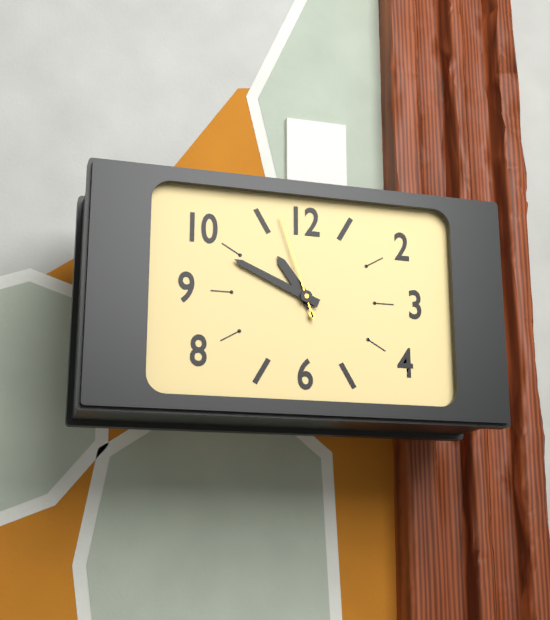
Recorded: 10h49m57s
